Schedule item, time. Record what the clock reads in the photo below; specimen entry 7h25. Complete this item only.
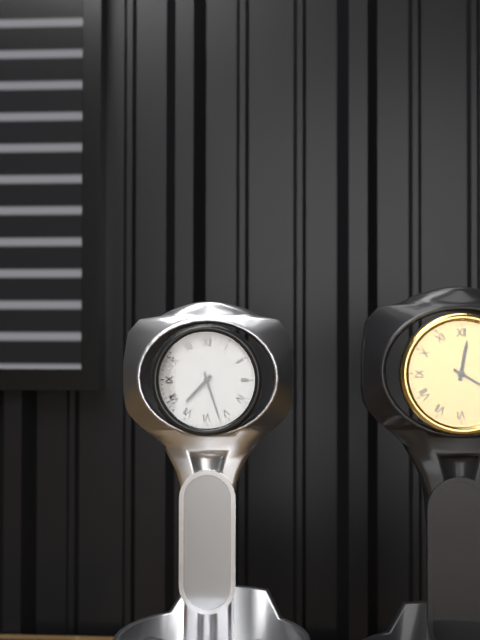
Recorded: 7h27
